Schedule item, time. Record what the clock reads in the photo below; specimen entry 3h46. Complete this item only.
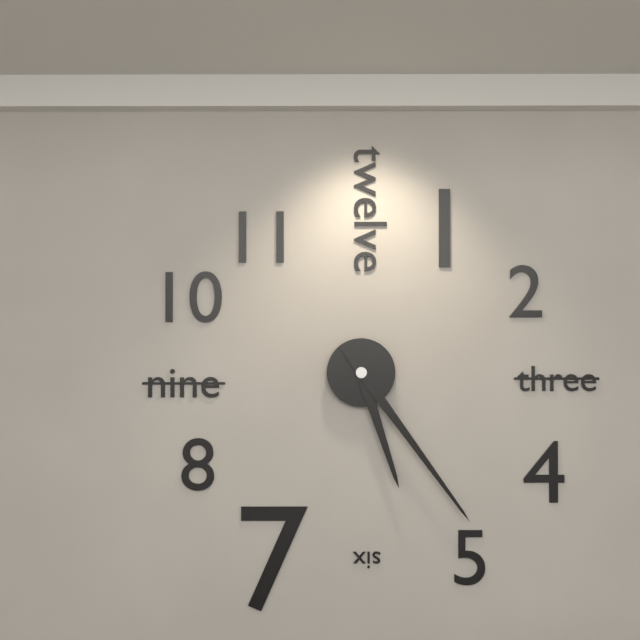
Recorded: 5h24
